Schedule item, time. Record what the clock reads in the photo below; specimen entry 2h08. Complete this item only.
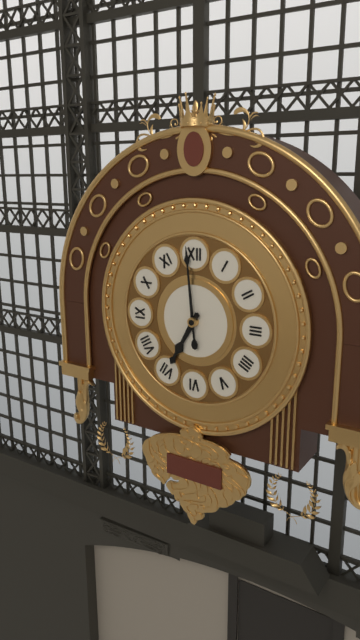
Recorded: 6h59
